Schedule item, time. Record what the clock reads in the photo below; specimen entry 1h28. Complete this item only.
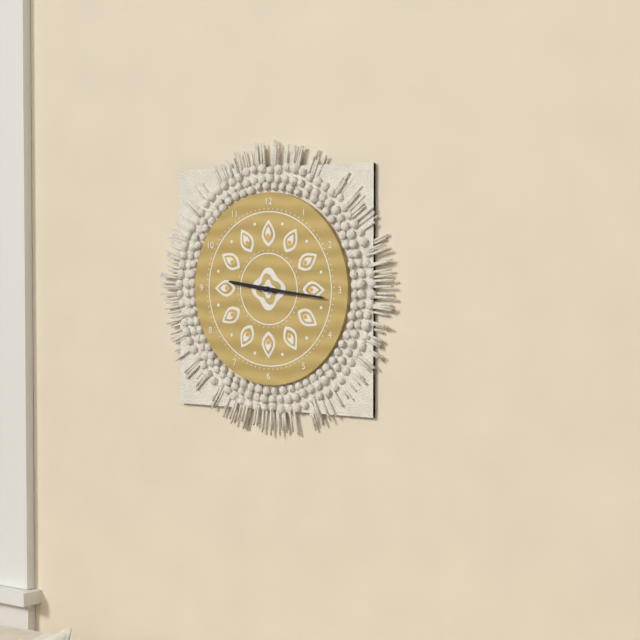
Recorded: 9h16
